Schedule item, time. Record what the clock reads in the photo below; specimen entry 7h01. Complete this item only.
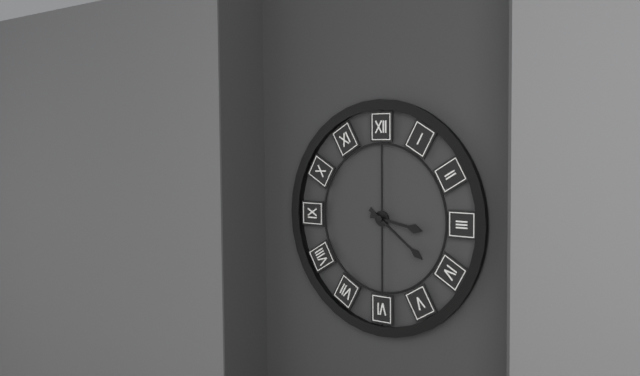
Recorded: 3h21
